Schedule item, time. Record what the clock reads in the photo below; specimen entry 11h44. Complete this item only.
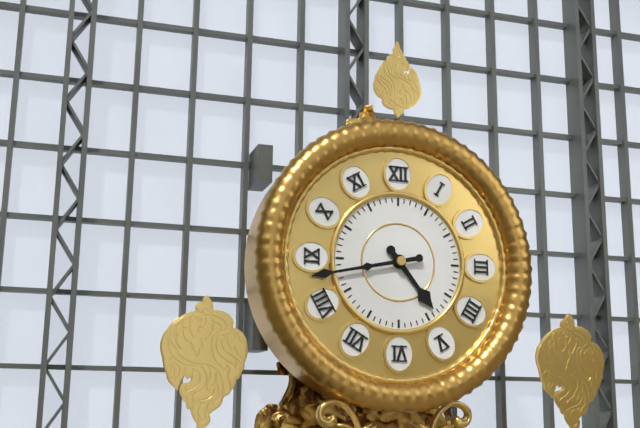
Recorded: 4h43
